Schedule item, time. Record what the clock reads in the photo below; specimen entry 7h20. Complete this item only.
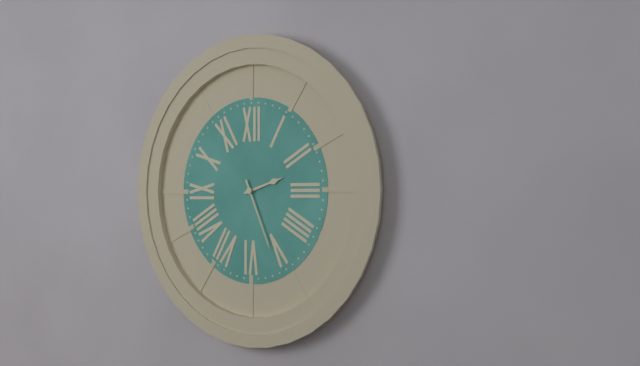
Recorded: 2h26
